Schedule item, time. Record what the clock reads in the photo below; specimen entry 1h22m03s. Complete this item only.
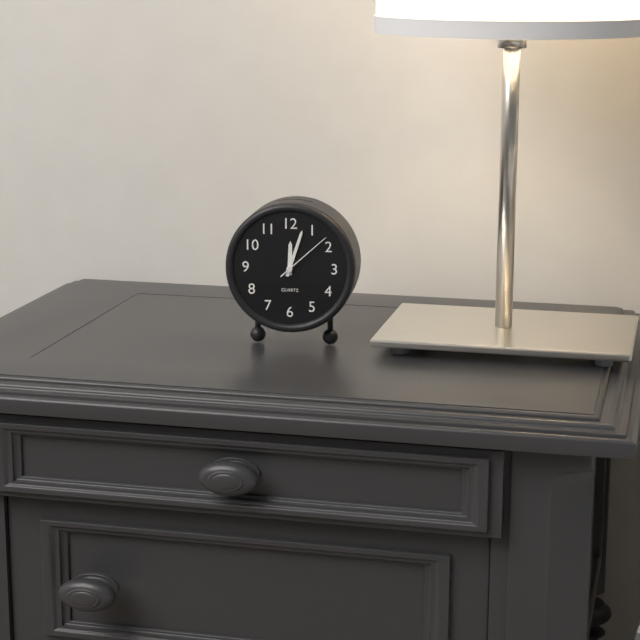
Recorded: 12h03m08s
